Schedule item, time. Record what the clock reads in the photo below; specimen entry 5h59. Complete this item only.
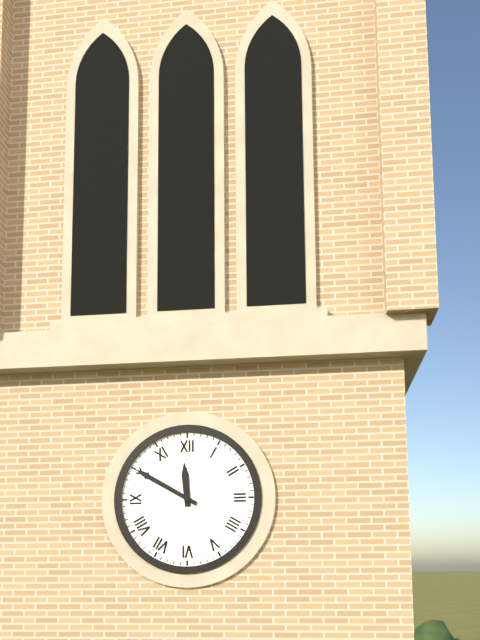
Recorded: 11h50
